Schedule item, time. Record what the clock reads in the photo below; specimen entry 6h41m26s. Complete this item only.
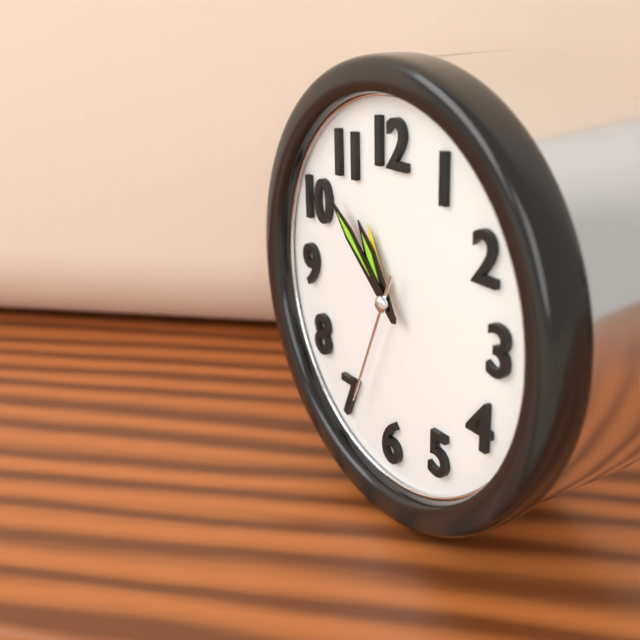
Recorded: 10h52m34s
